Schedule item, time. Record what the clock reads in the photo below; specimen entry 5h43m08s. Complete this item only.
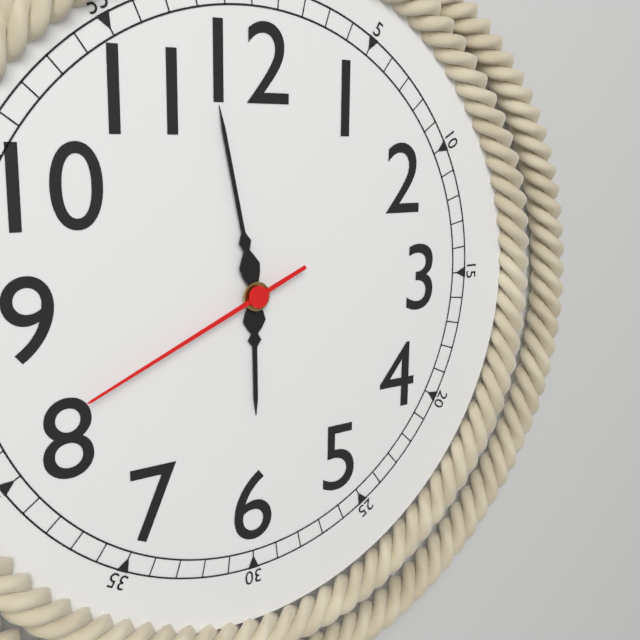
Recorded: 5h58m41s
